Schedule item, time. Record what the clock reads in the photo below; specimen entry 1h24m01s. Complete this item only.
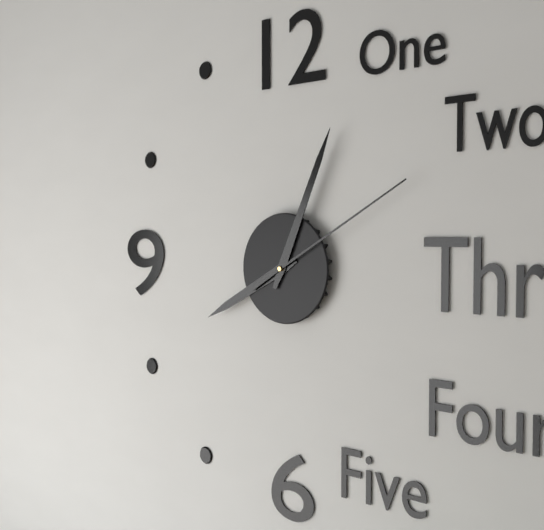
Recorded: 8h04m10s
